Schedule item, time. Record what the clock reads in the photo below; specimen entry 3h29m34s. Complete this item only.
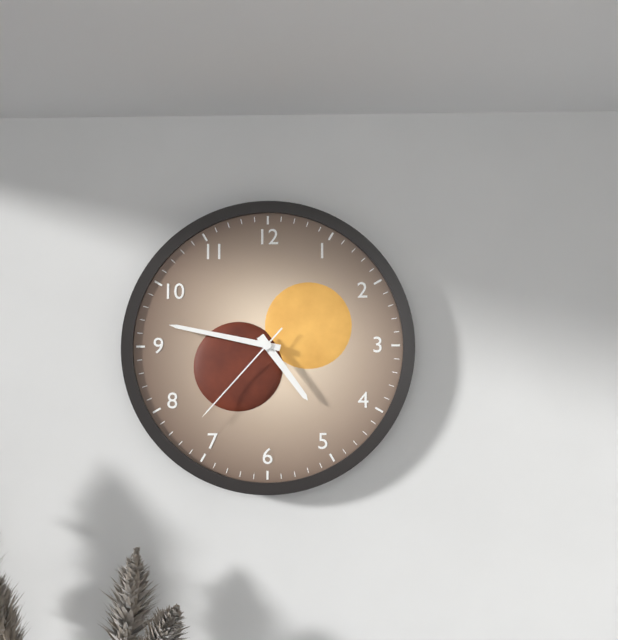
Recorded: 4h47m37s
